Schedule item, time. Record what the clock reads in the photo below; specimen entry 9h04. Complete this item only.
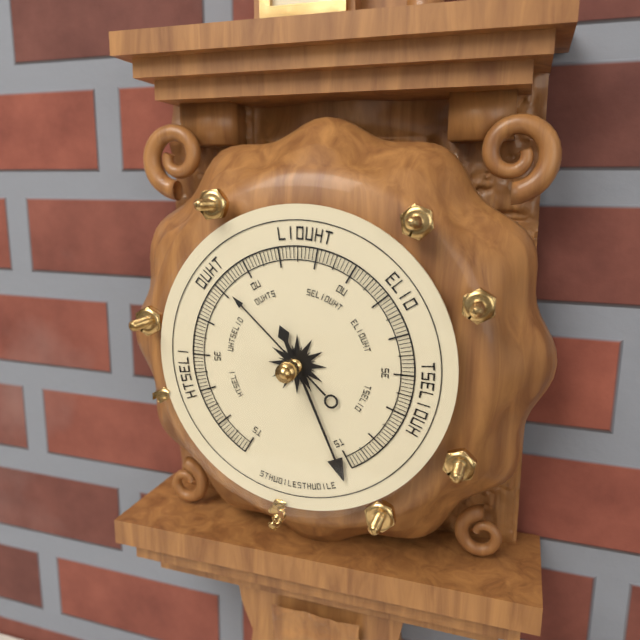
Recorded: 10h26
